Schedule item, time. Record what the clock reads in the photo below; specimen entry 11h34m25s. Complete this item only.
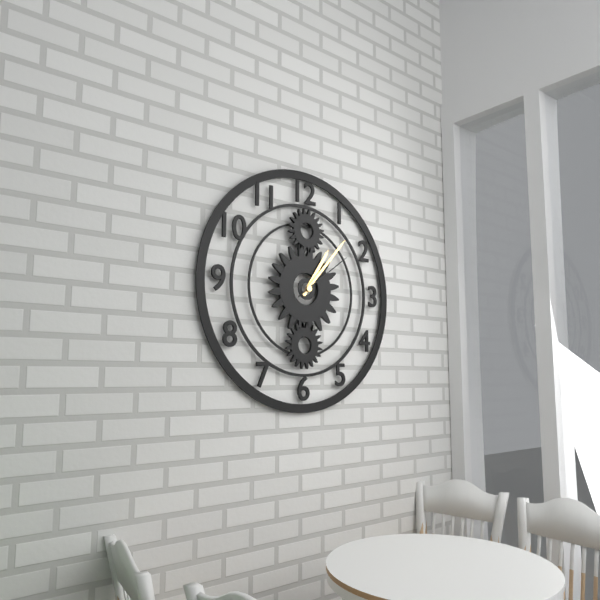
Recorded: 1h07m09s
